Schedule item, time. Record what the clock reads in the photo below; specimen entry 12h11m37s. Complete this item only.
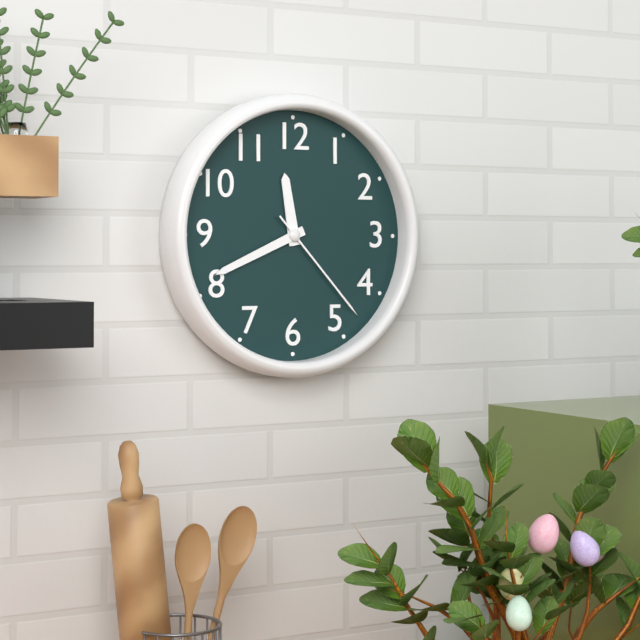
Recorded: 11h41m23s
